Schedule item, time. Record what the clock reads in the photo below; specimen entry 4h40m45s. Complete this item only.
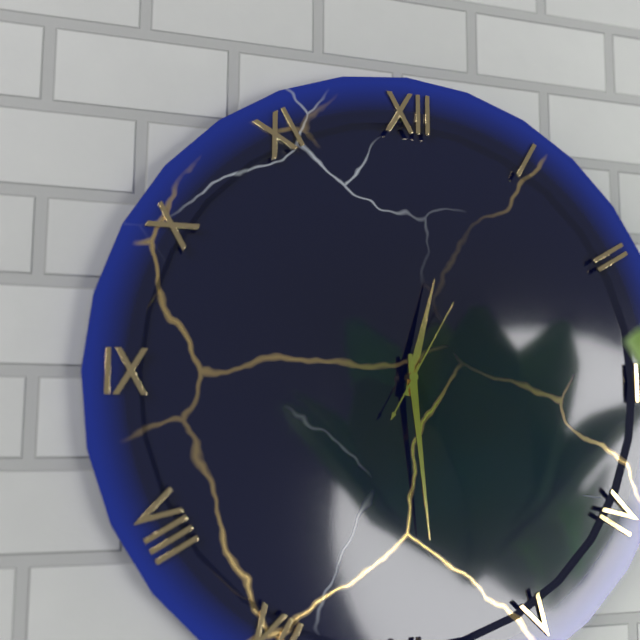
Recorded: 12h29m05s
